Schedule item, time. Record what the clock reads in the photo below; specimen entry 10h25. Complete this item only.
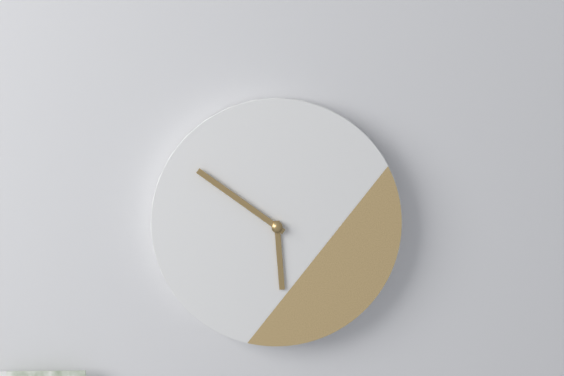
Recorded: 5h51
